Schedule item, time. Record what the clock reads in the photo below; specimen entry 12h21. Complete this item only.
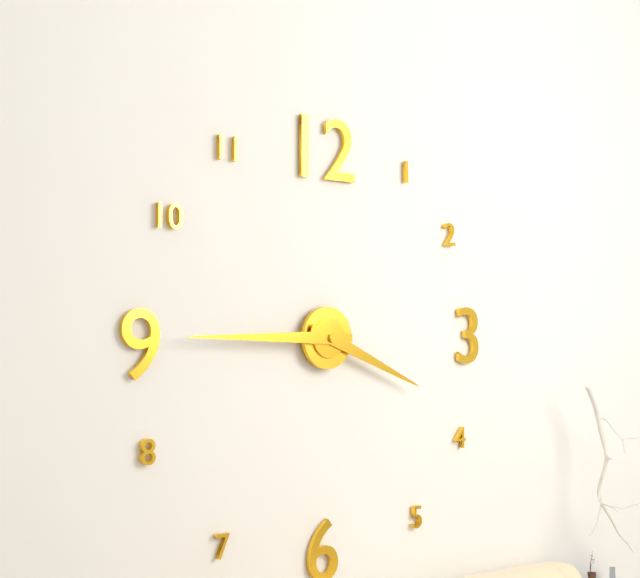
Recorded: 3h45
